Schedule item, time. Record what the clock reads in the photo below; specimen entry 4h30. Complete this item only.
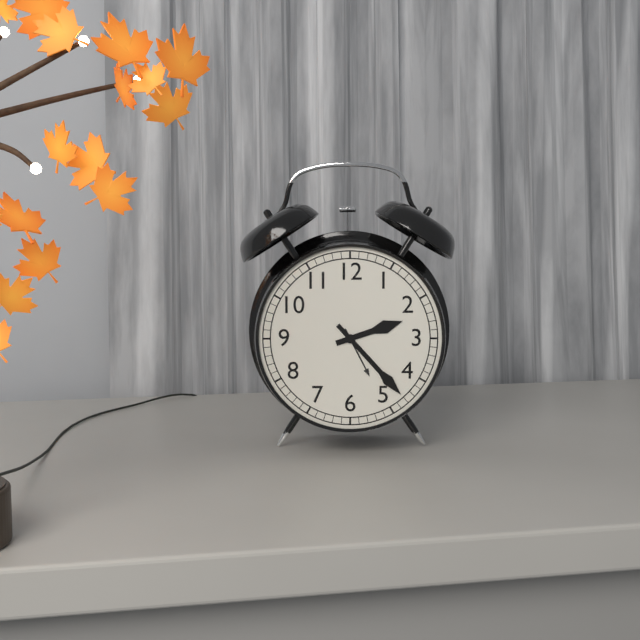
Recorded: 2h23
